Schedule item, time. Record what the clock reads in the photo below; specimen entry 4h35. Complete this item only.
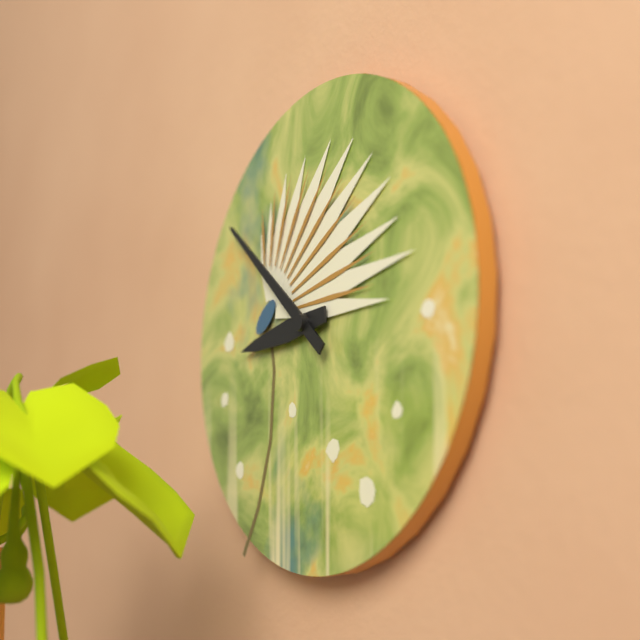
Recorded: 8h52
